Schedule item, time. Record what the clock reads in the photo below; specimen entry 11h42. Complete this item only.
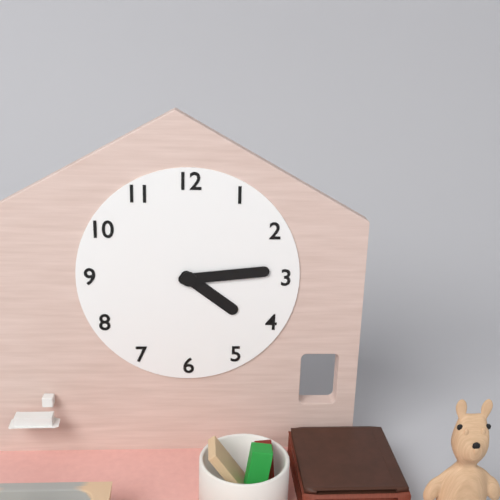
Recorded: 4h14
